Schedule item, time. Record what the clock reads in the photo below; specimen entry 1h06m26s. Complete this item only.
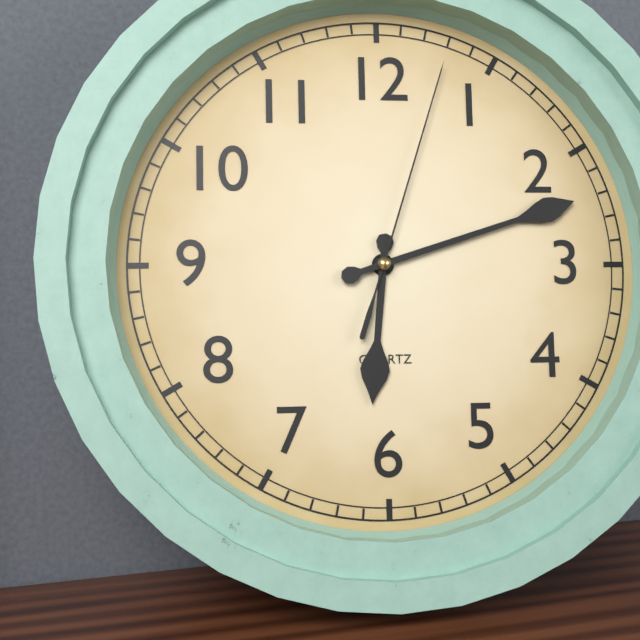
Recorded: 6h12m03s
